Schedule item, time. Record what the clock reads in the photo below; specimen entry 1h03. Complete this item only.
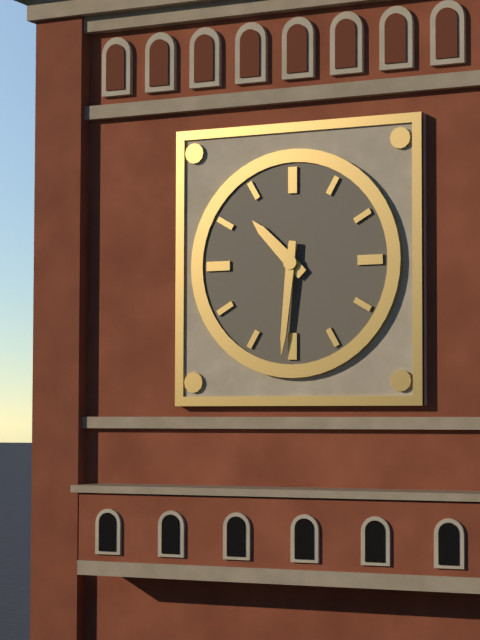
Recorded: 10h31
